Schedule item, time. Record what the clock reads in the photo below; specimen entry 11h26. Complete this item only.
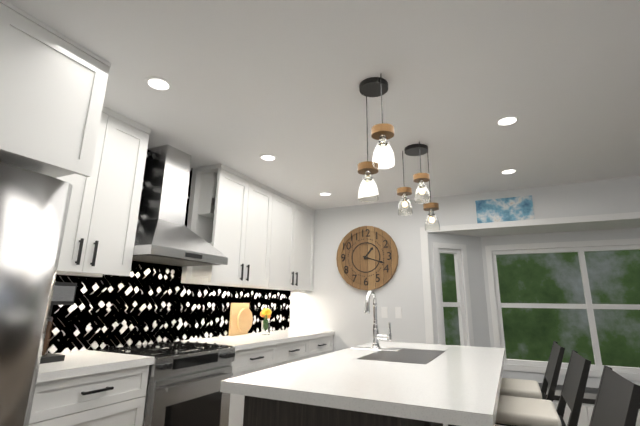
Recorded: 1h18
